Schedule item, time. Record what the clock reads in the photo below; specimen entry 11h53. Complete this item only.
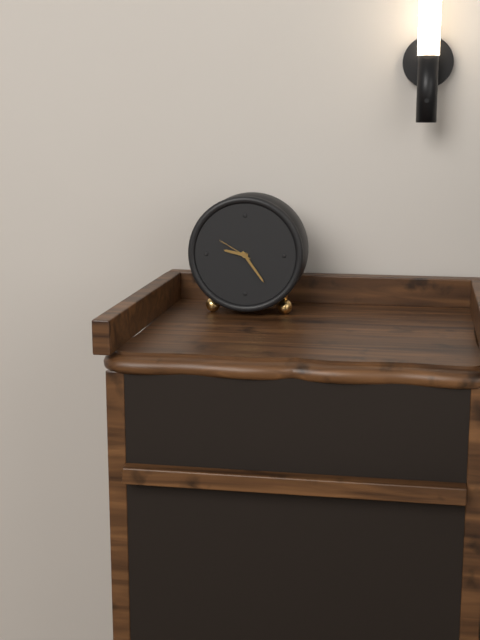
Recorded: 9h24
